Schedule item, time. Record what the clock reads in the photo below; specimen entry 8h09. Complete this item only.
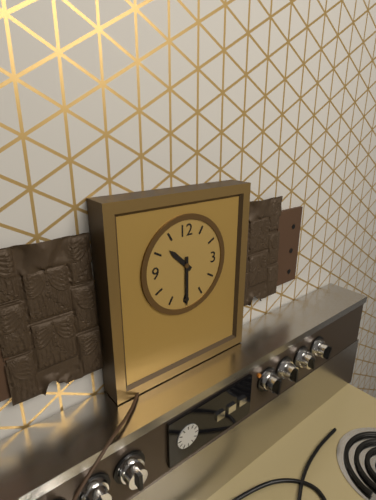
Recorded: 10h30
